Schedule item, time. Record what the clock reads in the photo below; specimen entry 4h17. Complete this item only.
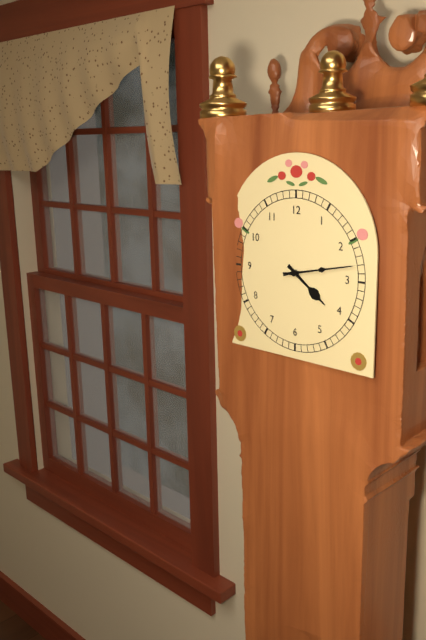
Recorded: 4h13
